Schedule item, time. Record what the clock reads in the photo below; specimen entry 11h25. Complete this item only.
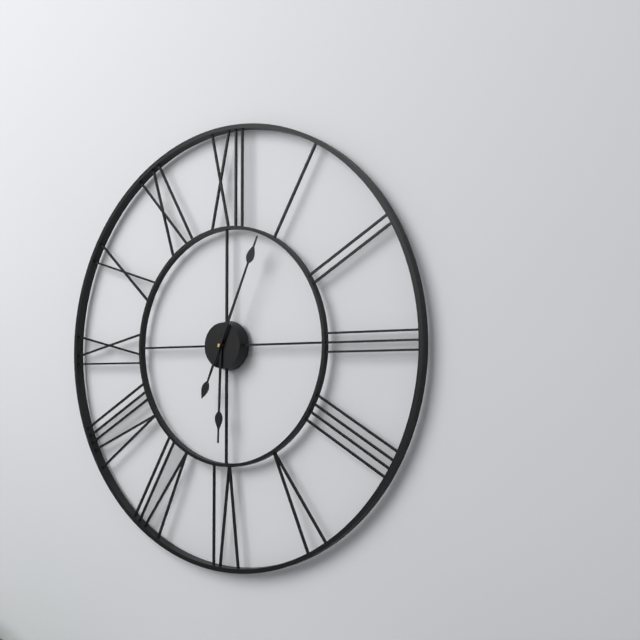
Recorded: 6h04
